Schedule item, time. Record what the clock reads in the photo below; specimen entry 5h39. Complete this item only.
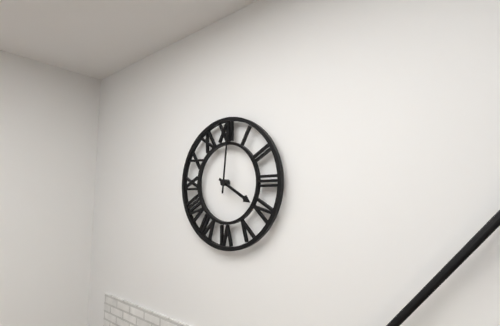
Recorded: 4h01
